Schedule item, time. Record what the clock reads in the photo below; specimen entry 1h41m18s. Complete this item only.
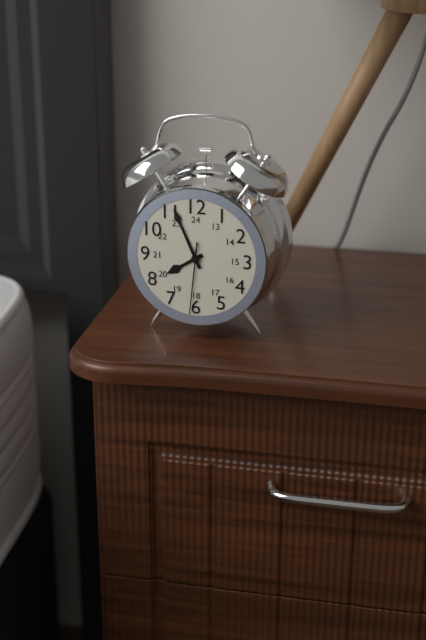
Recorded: 7h56m31s
